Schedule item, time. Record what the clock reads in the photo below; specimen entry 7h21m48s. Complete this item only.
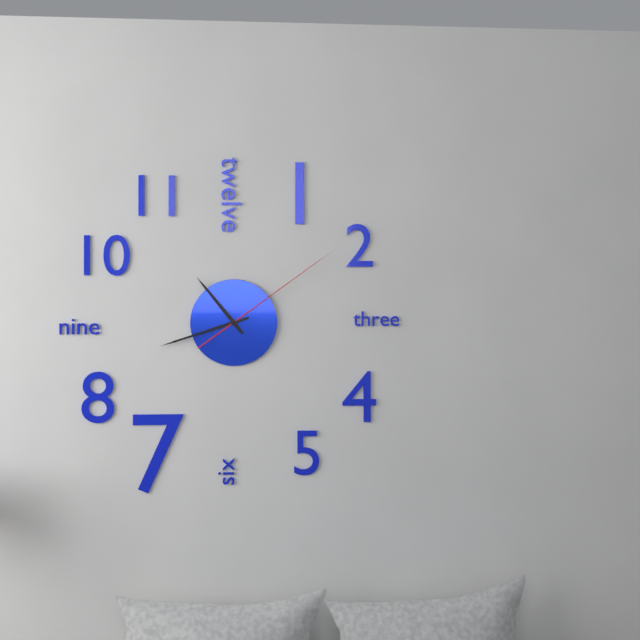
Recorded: 10h42m09s
